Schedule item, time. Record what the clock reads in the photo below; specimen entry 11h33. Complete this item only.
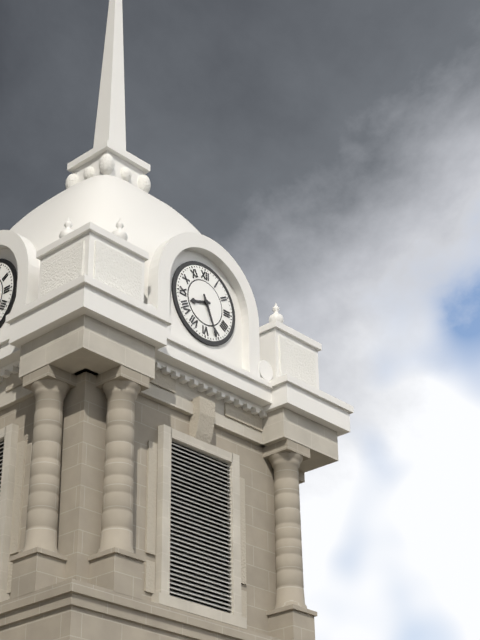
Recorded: 8h26
